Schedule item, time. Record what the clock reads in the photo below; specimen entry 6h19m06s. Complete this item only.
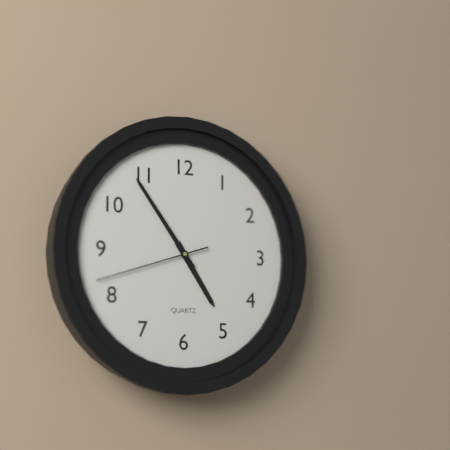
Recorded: 4h54m42s
